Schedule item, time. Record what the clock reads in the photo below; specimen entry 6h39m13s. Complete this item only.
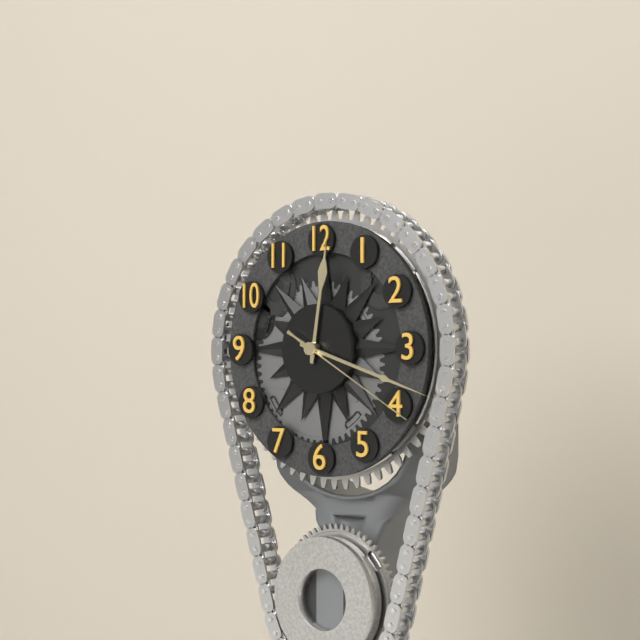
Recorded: 12h18m20s
